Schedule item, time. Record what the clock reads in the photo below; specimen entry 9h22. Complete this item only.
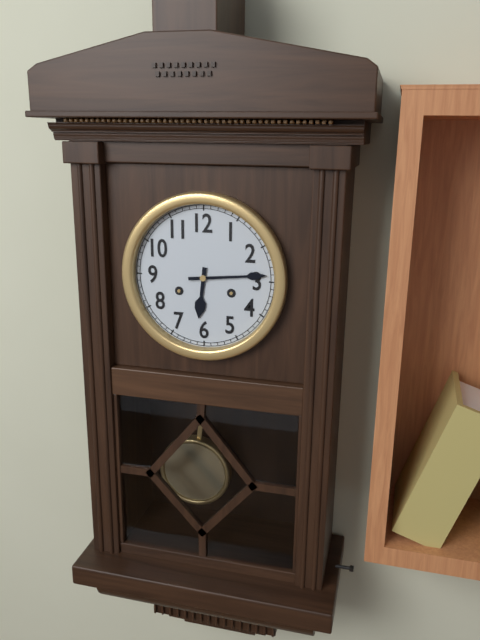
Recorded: 6h14
